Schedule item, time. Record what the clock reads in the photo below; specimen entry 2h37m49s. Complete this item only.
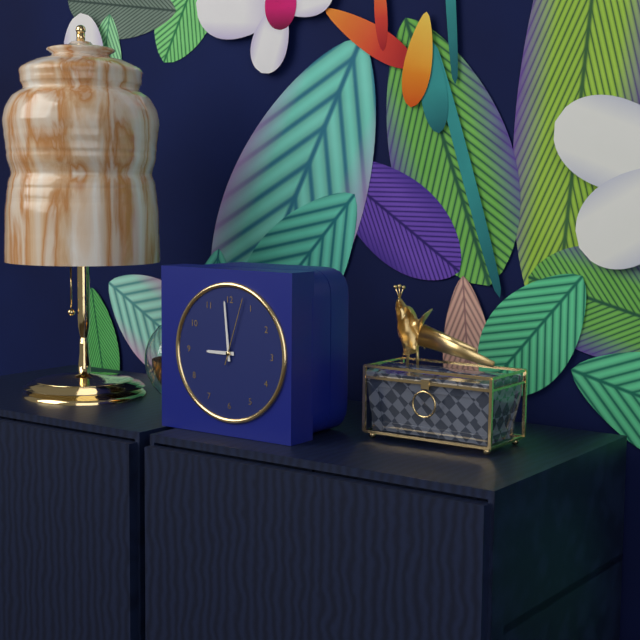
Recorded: 8h59m03s
